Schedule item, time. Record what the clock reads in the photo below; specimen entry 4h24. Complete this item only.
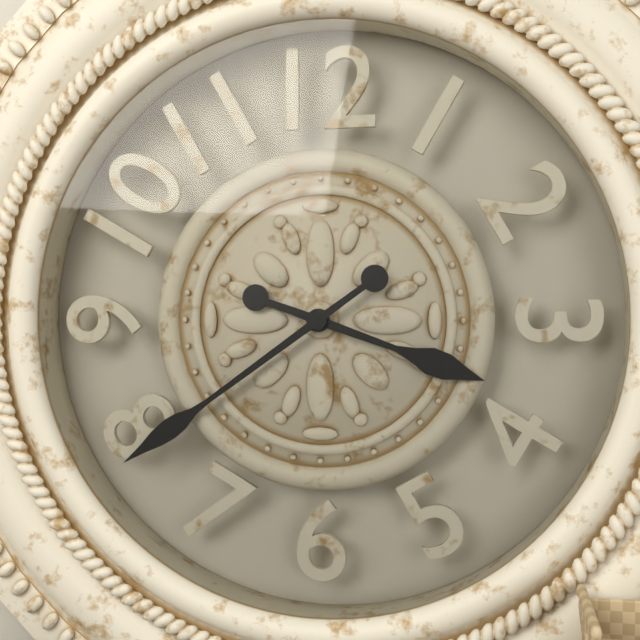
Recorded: 3h39
